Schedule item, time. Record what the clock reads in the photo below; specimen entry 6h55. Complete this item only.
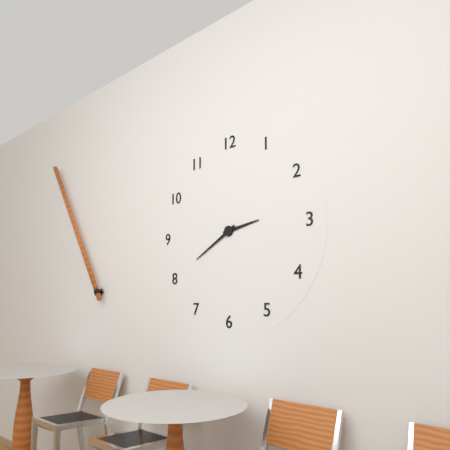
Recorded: 2h40
